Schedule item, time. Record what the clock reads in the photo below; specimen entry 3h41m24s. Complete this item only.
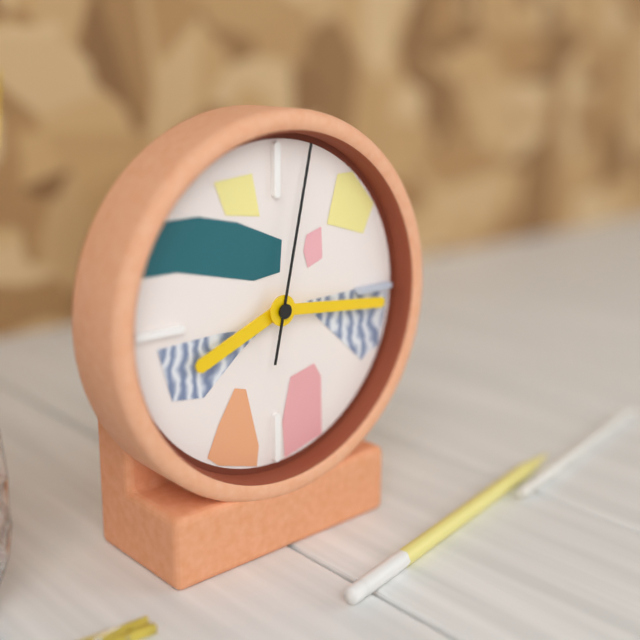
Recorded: 8h16m02s
